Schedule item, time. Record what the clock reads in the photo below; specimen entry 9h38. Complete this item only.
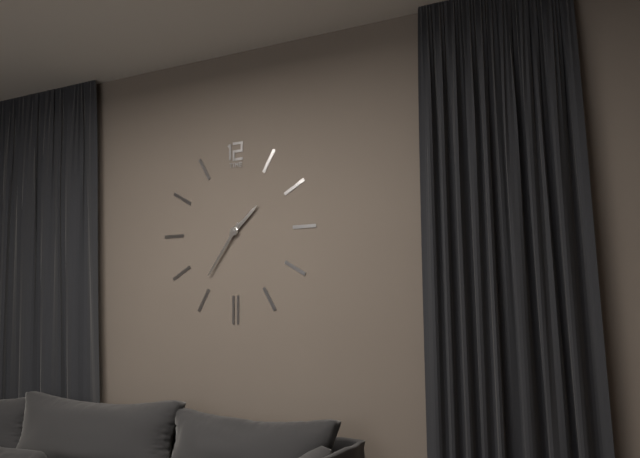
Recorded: 1h36
